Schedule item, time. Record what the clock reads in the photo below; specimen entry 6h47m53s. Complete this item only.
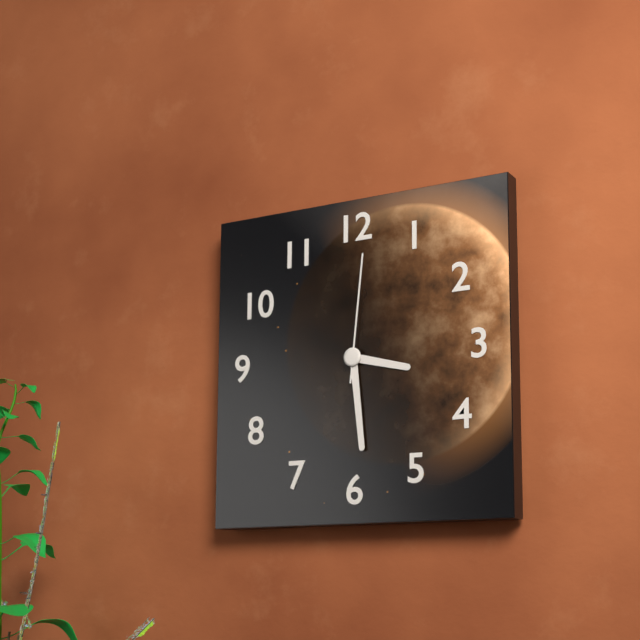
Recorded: 3h29m01s
